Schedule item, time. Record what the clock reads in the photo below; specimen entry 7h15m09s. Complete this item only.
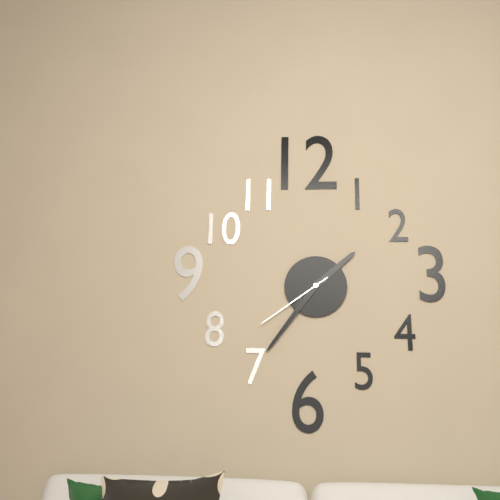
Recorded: 1h36m39s
